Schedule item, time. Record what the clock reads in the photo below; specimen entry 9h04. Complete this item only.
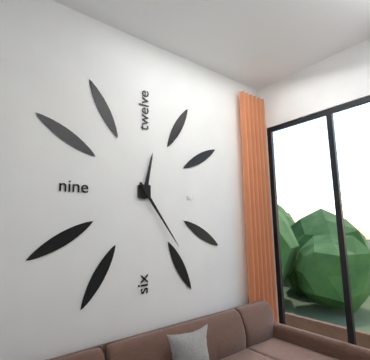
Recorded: 12h24
